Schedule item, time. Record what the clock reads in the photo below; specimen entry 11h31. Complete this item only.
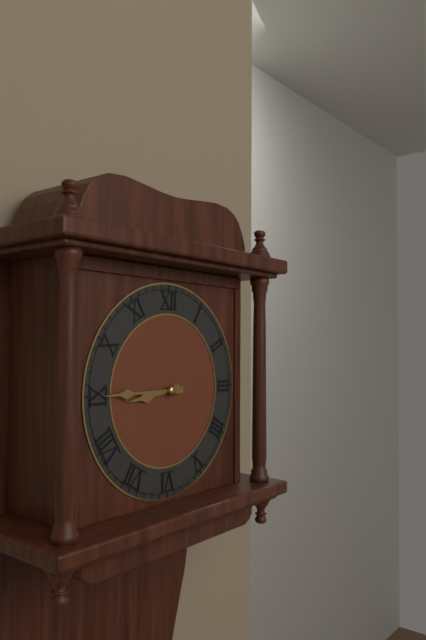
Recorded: 8h45
